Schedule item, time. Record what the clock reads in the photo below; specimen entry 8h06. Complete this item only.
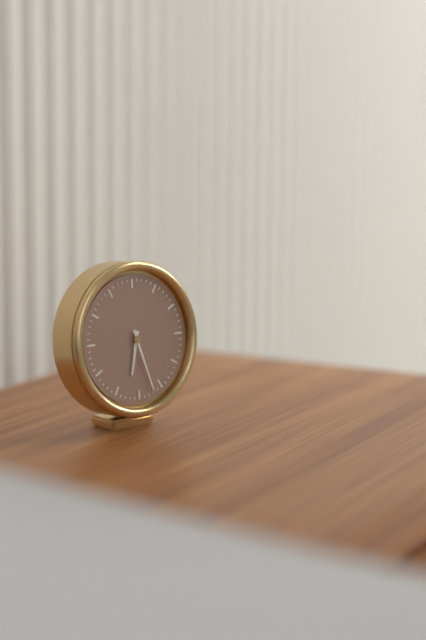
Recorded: 6h27
